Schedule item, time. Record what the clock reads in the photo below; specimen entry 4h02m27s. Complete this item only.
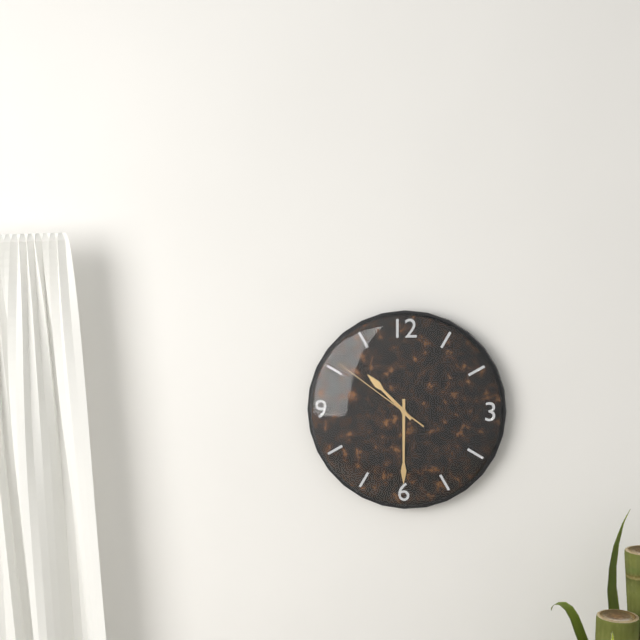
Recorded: 10h30m51s
